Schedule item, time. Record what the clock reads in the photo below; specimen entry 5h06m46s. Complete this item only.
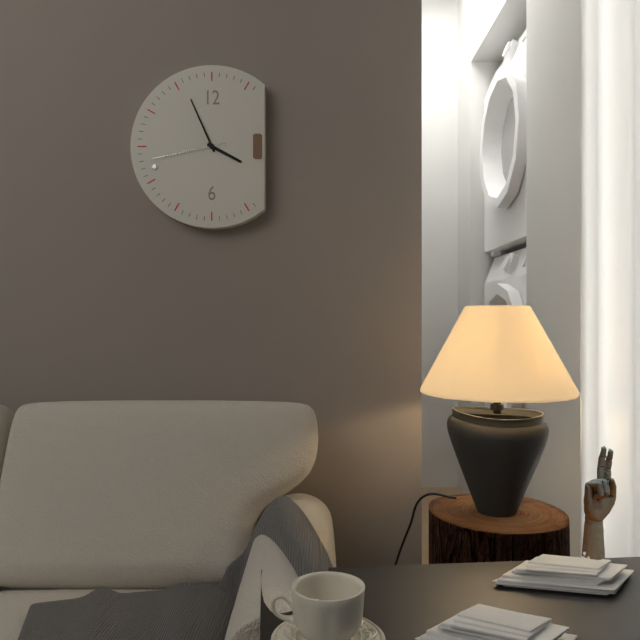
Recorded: 3h56m43s
